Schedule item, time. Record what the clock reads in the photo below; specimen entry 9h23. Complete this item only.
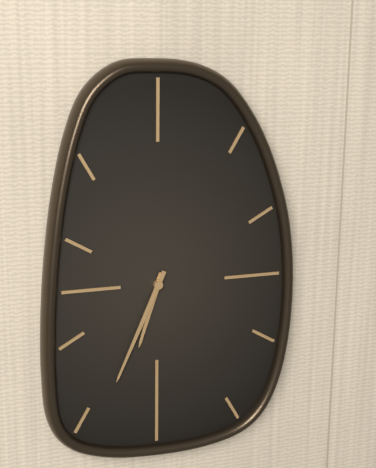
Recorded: 6h34
